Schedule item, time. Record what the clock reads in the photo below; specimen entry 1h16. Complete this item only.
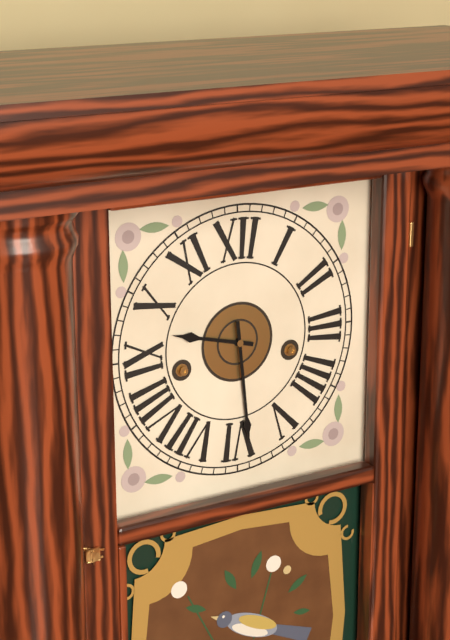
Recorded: 9h29
